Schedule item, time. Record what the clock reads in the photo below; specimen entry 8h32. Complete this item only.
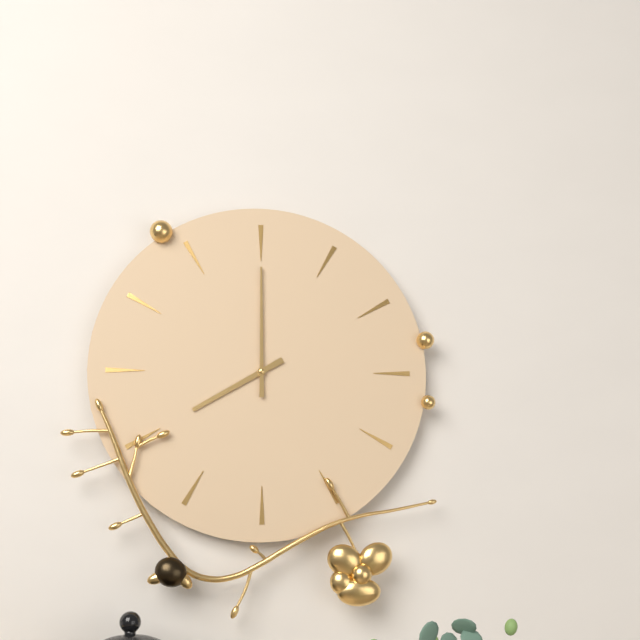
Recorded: 8h00
